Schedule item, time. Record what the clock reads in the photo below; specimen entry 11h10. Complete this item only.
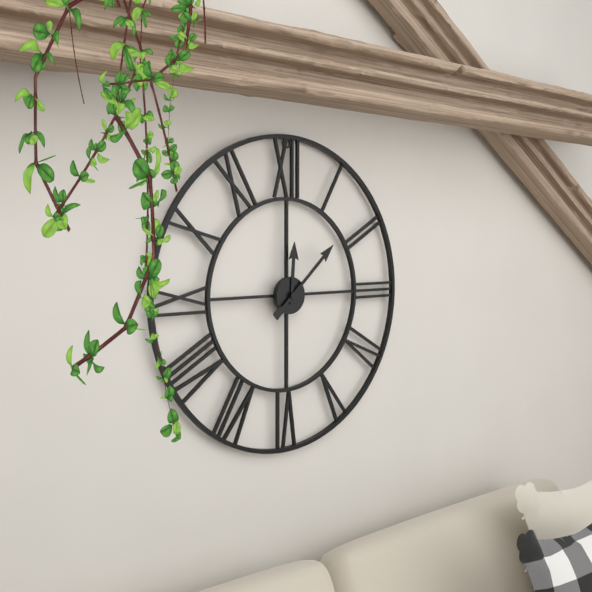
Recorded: 12h08
